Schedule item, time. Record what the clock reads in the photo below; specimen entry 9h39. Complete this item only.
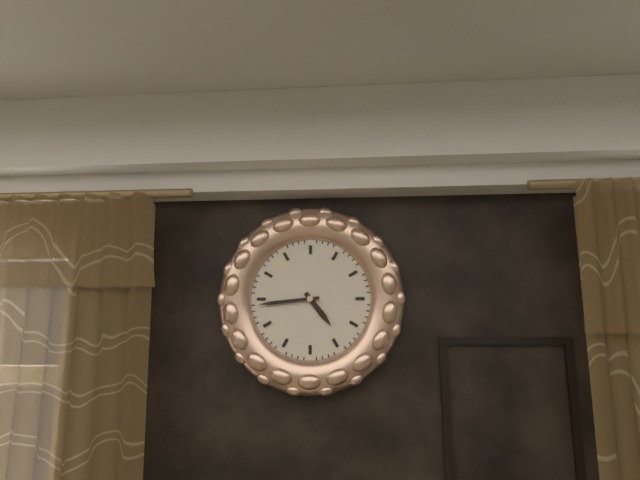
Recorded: 4h44
